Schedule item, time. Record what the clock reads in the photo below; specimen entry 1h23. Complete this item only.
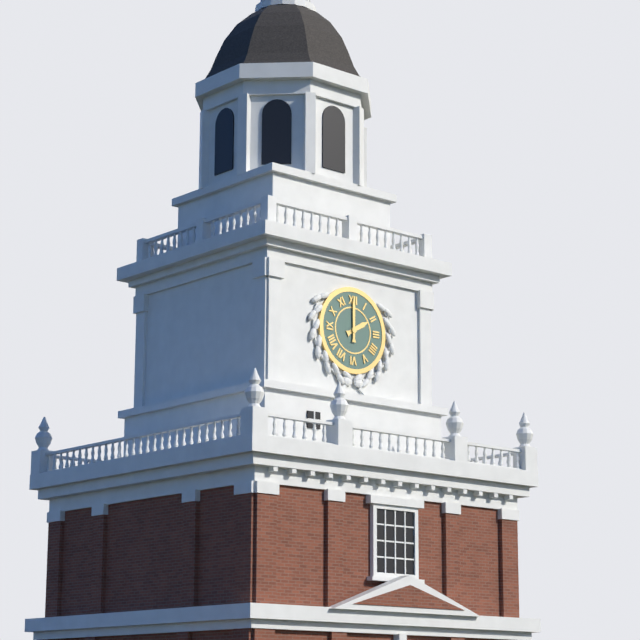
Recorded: 2h00
